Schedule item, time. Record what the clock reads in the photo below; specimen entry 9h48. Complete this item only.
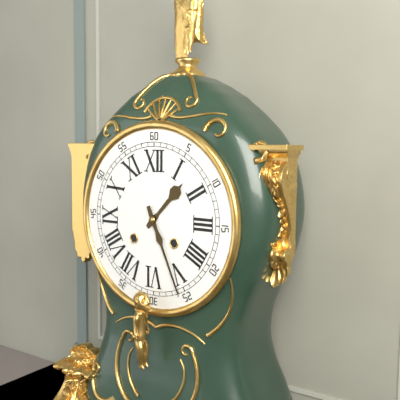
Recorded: 1h26
